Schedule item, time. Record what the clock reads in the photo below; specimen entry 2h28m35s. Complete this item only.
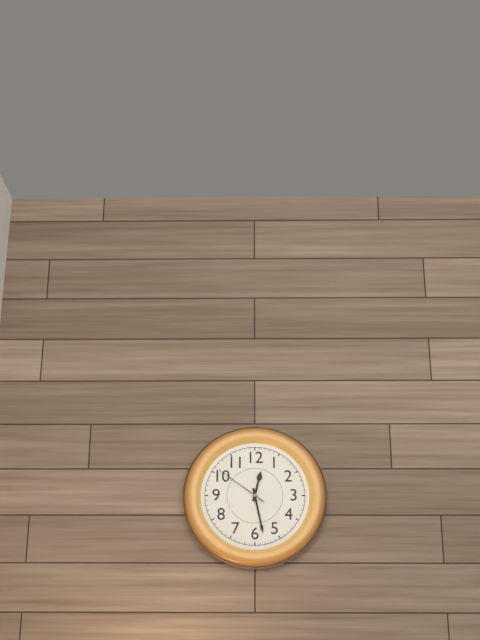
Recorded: 12h28m51s
